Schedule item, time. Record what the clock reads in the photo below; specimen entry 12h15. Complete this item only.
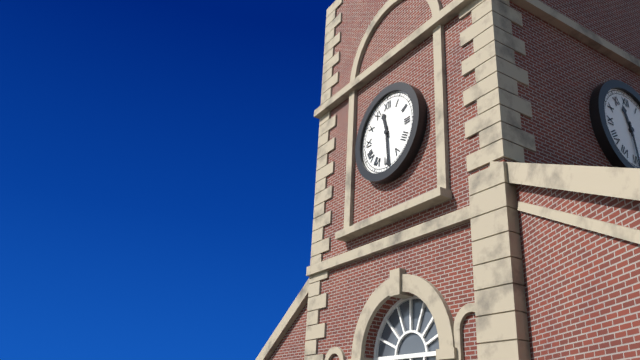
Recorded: 11h29
